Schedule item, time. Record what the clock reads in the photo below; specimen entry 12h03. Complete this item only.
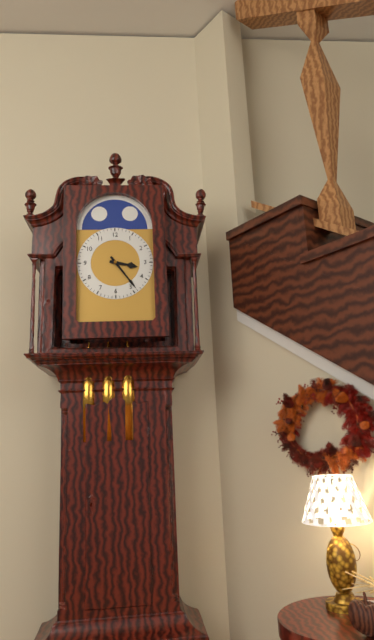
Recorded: 3h24
